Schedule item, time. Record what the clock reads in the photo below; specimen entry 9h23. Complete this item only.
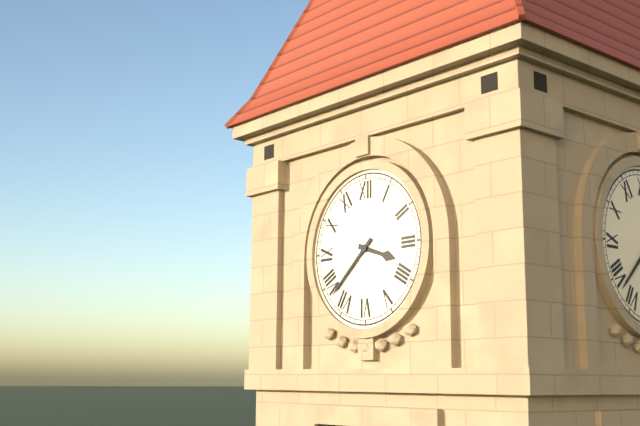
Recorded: 3h38
